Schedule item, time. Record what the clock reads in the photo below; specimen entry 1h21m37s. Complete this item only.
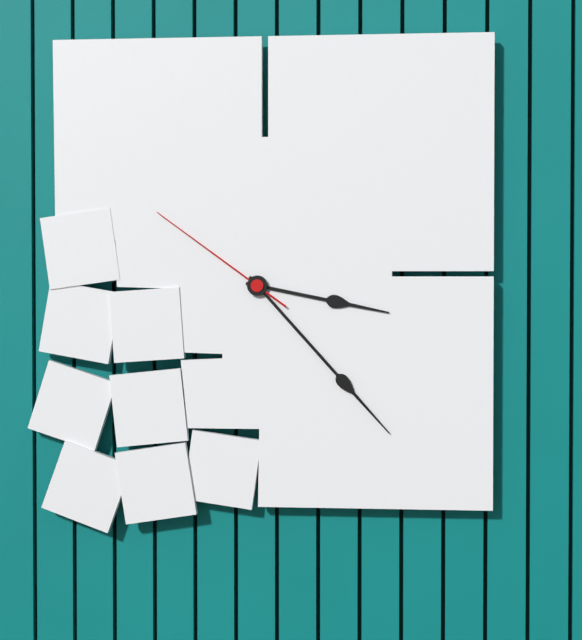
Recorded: 3h23m51s
